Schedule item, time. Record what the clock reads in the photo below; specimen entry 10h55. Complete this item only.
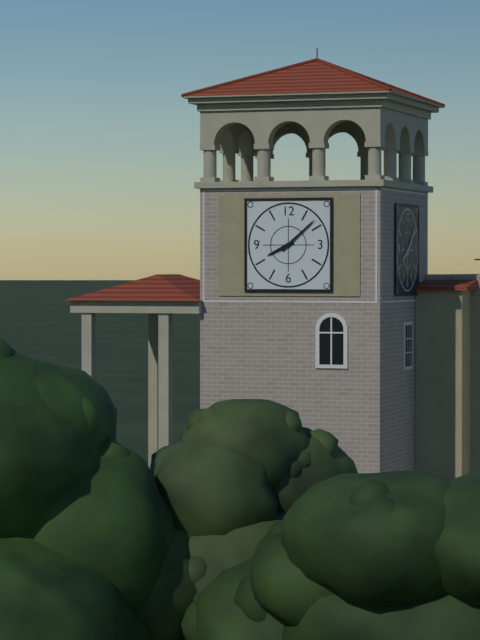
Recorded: 8h08
